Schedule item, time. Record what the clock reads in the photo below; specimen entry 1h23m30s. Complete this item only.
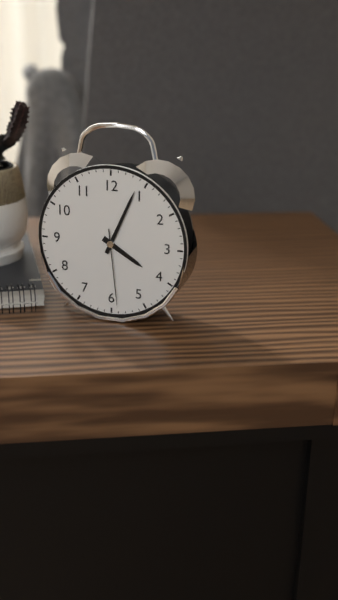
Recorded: 4h04m29s
